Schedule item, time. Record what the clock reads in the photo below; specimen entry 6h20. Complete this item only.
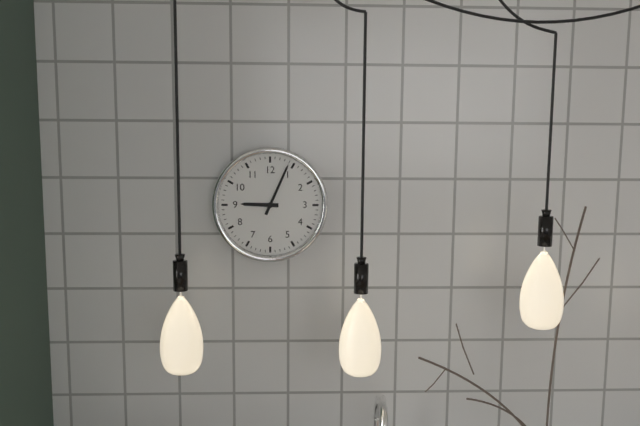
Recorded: 9h04
